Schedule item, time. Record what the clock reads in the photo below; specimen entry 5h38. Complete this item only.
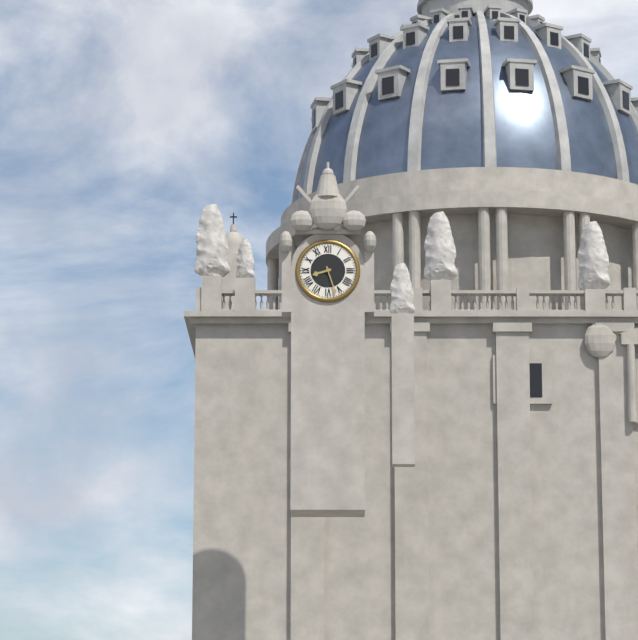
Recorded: 8h27
